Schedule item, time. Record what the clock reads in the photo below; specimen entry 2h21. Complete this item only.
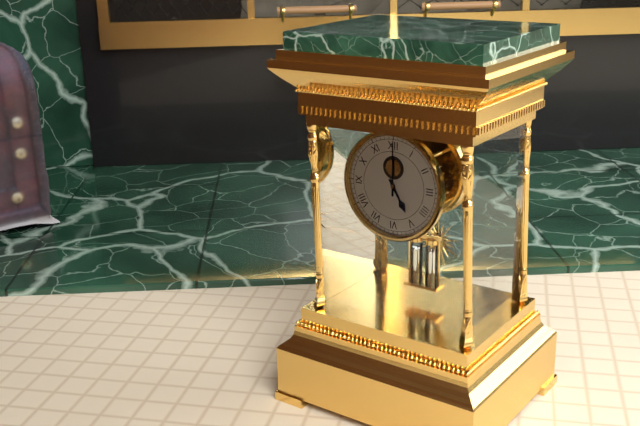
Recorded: 5h00
